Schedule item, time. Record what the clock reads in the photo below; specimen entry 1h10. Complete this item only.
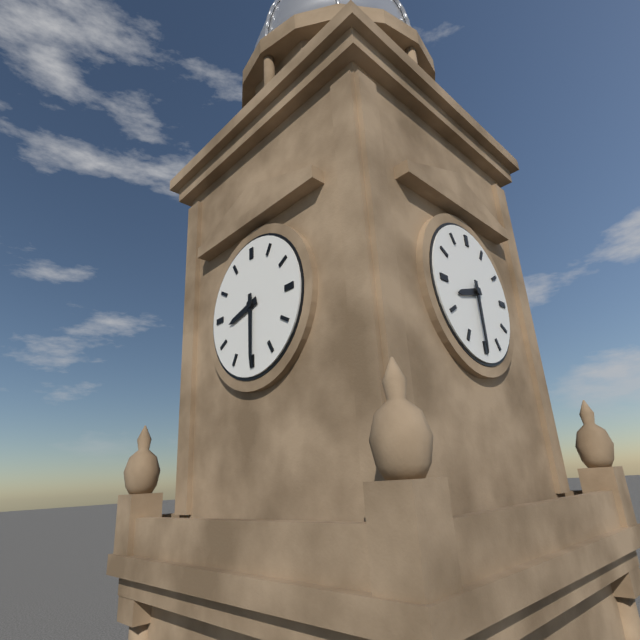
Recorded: 8h30
